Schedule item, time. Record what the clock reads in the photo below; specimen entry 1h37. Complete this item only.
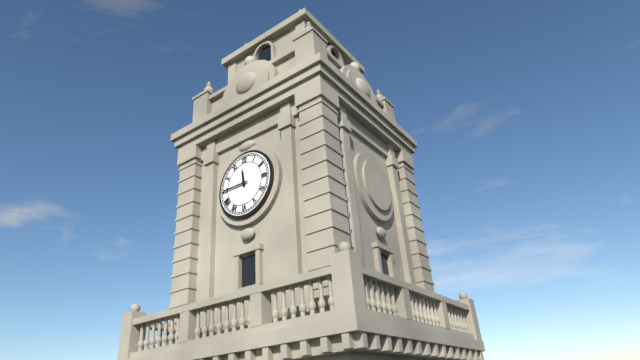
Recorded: 11h45
